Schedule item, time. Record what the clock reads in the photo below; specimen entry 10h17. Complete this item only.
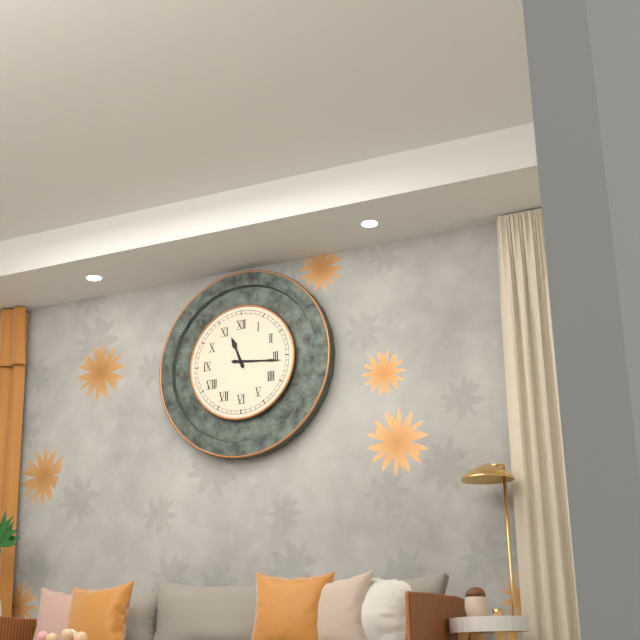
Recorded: 11h16
